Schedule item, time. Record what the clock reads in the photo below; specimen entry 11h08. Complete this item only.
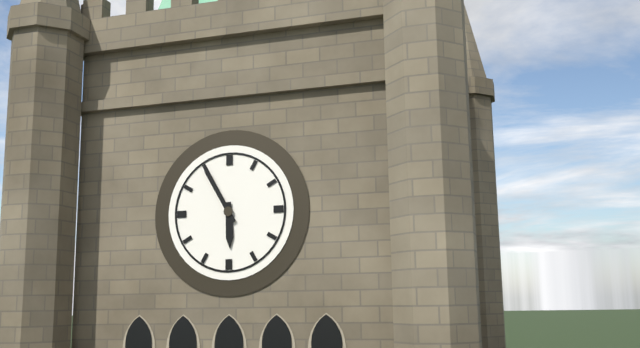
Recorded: 5h55
